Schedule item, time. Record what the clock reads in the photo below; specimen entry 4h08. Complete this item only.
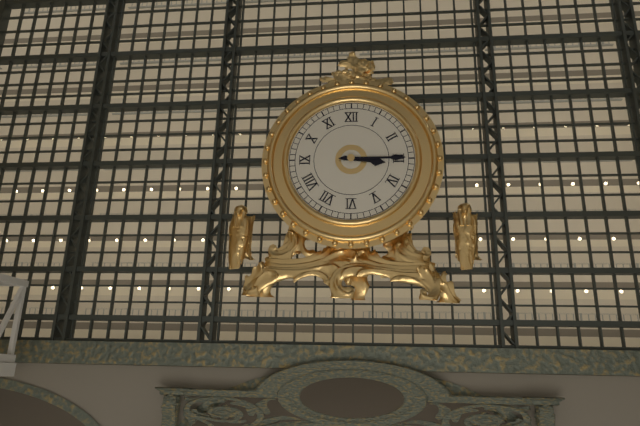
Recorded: 3h15
